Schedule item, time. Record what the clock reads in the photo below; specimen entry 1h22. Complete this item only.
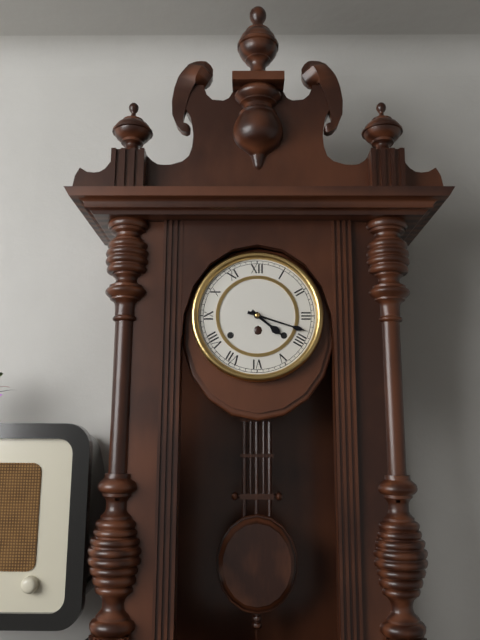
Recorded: 4h18
